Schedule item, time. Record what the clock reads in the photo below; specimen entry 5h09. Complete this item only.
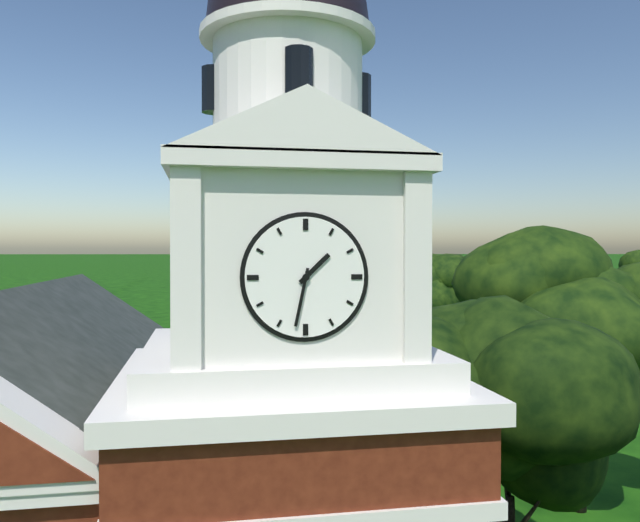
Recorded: 1h32
